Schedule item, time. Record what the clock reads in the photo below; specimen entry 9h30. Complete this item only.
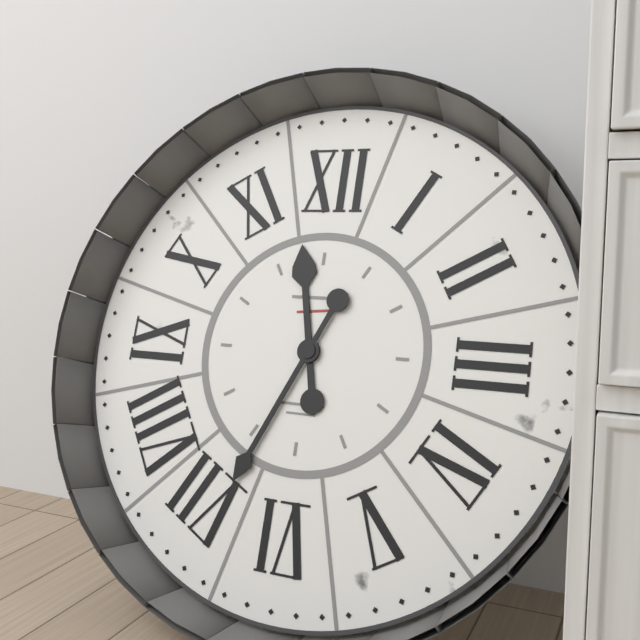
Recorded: 11h34
